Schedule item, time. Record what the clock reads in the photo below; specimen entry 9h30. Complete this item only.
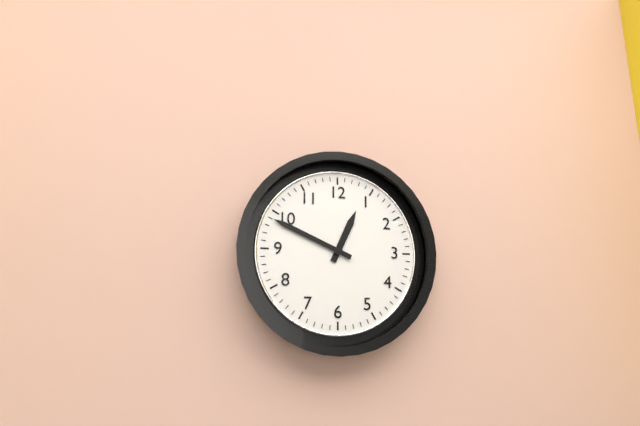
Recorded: 12h49
